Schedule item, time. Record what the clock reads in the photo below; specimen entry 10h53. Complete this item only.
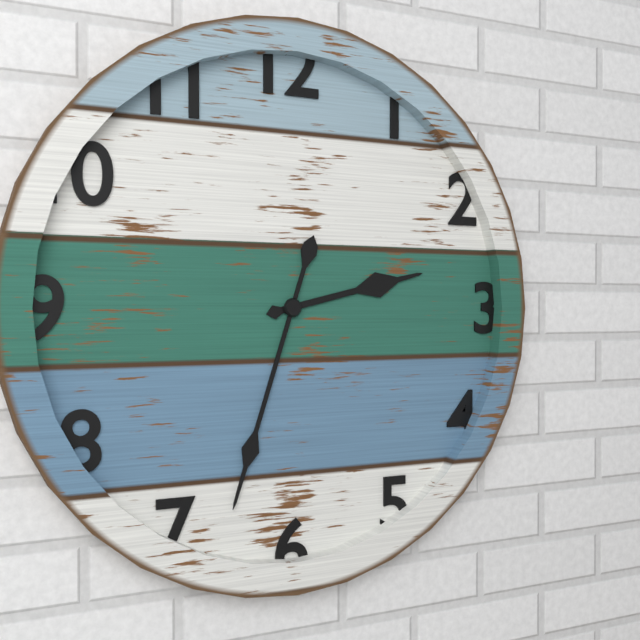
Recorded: 2h33
